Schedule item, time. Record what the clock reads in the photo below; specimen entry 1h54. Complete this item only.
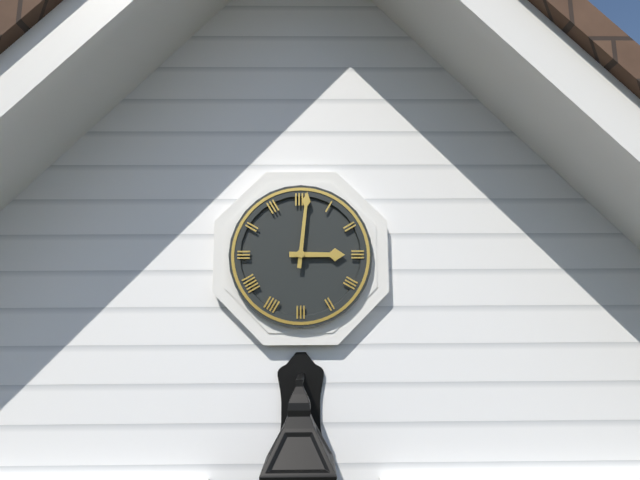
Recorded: 3h01
